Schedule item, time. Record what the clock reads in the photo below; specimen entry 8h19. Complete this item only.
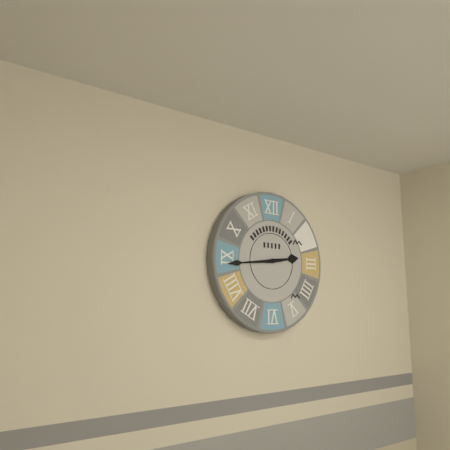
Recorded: 2h44
